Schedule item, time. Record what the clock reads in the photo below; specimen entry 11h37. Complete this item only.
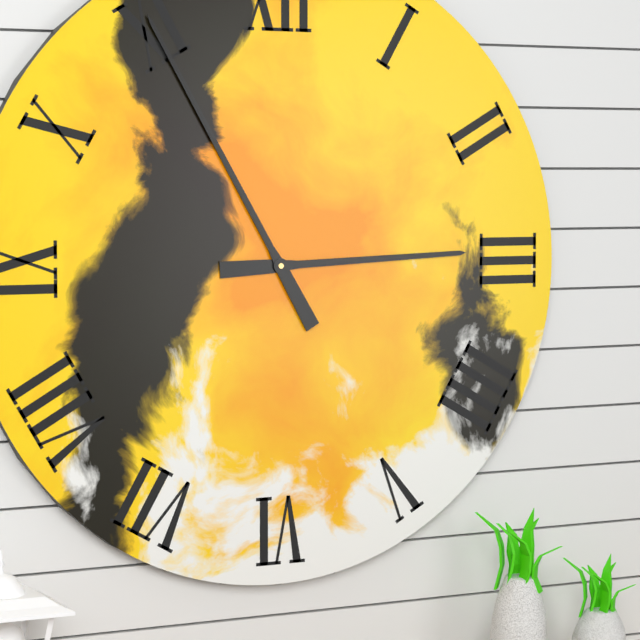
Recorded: 2h55
